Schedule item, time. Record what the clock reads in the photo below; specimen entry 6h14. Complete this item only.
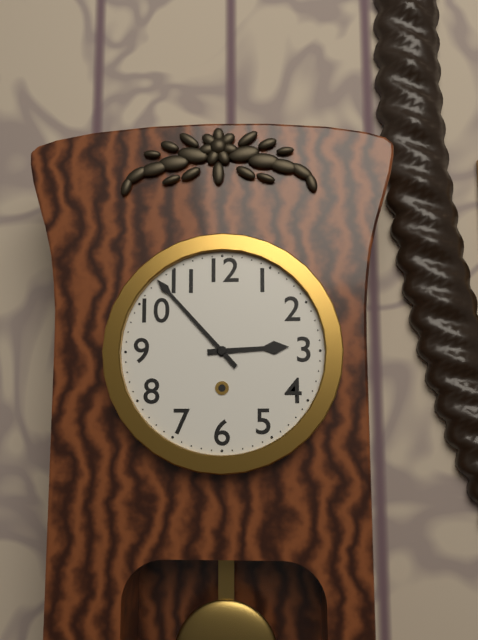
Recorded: 2h53
